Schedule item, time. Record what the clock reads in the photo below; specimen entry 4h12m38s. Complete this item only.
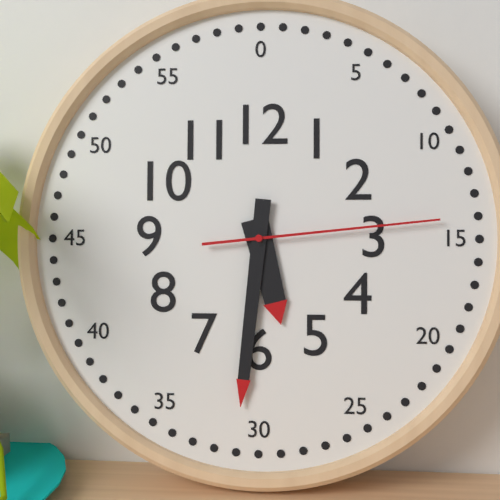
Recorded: 5h31m14s
